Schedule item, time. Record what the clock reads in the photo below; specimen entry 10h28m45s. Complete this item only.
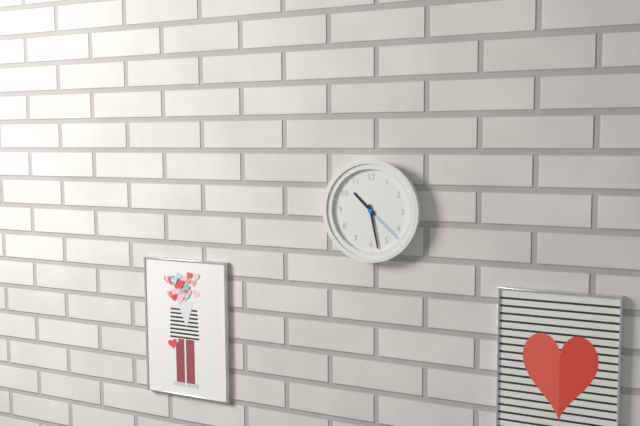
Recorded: 10h28m22s
